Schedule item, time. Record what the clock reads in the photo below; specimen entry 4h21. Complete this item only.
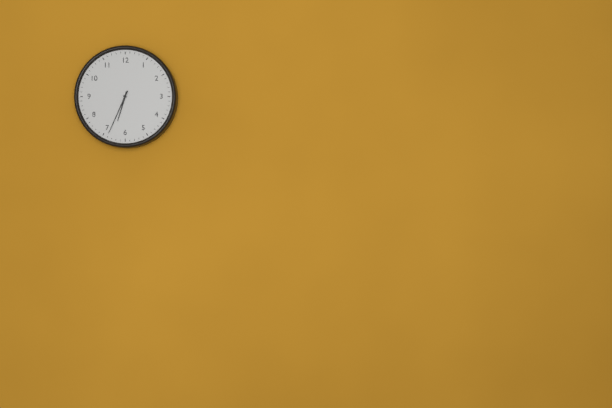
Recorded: 6h34
